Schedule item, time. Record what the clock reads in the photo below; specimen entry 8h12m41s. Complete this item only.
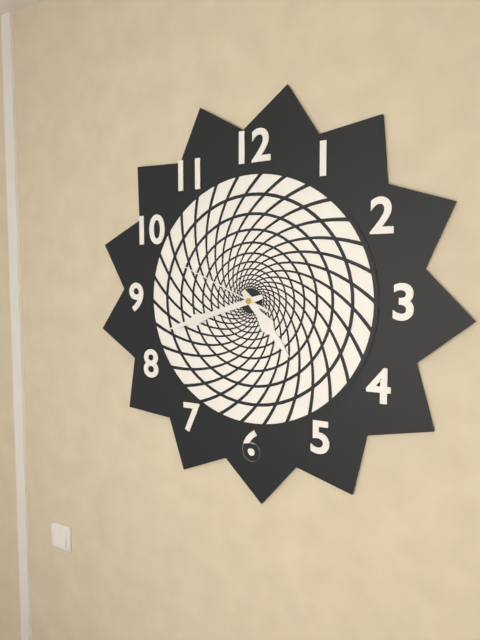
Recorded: 4h42m49s
